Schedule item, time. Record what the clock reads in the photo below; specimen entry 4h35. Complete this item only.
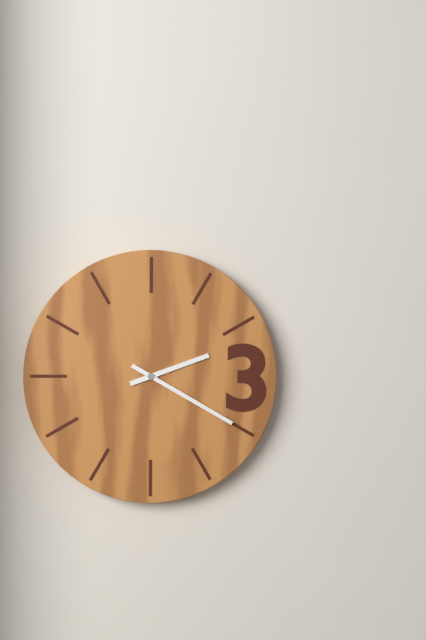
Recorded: 2h20
